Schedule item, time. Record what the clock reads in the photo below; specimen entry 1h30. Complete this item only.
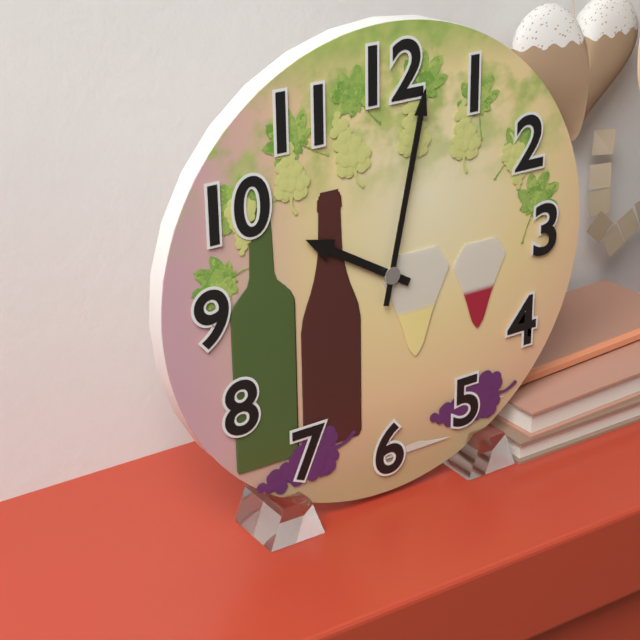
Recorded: 10h02
